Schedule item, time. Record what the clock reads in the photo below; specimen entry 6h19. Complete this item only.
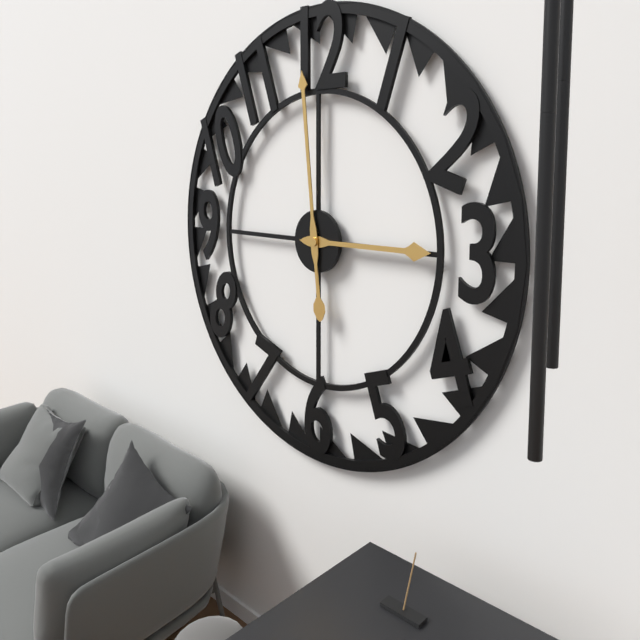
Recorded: 2h59
